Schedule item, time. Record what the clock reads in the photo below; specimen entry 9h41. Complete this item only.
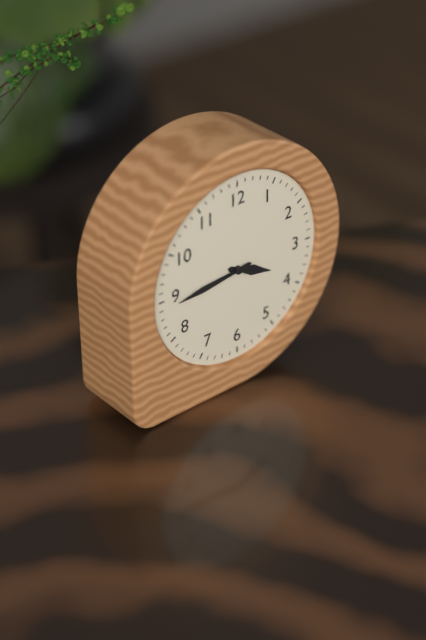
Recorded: 3h44
